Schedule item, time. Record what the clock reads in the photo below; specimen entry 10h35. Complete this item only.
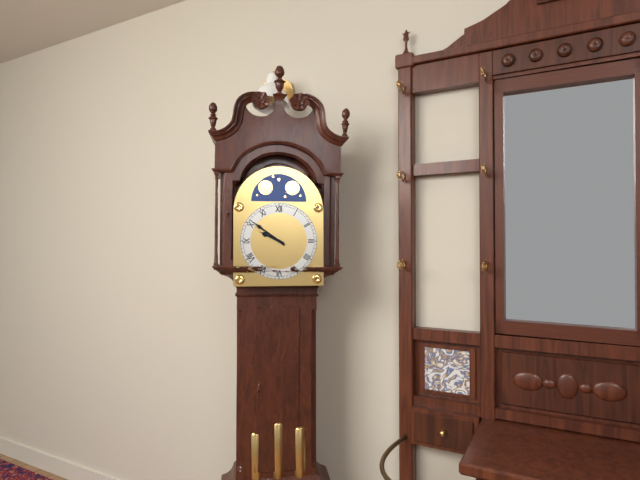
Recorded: 9h51
